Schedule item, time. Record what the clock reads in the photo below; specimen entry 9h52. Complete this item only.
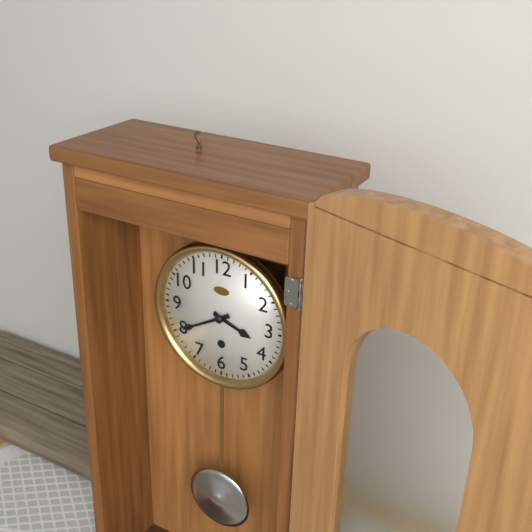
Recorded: 3h40
